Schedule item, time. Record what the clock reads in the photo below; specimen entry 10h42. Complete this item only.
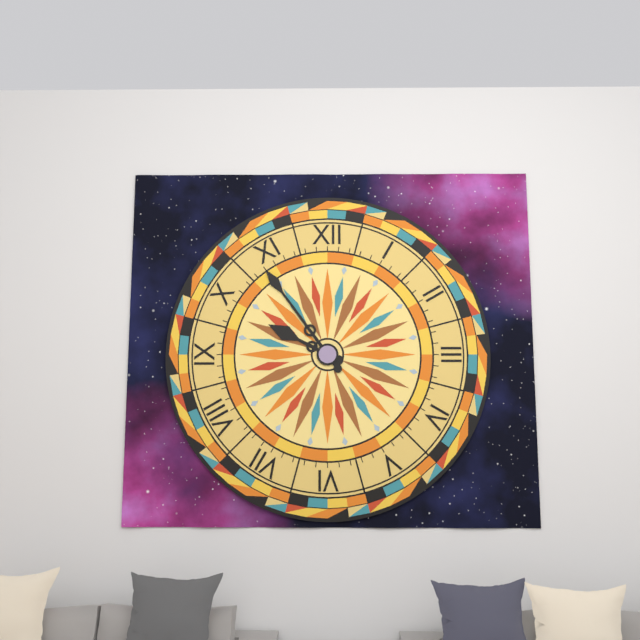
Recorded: 9h54
